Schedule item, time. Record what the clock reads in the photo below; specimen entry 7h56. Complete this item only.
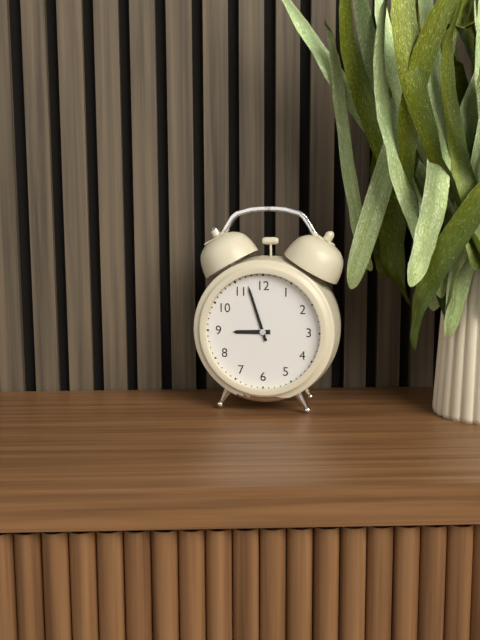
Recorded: 8h57
